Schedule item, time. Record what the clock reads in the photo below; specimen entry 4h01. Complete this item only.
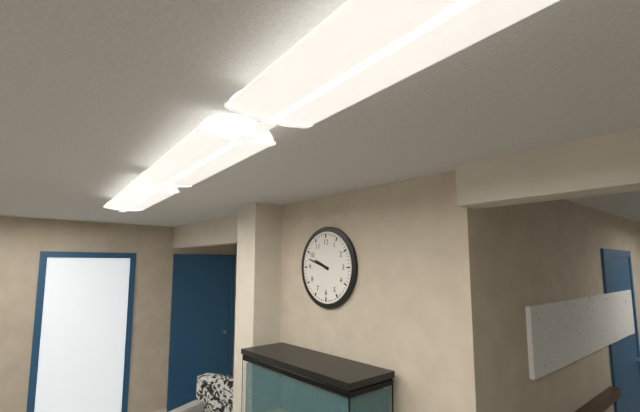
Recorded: 9h48
